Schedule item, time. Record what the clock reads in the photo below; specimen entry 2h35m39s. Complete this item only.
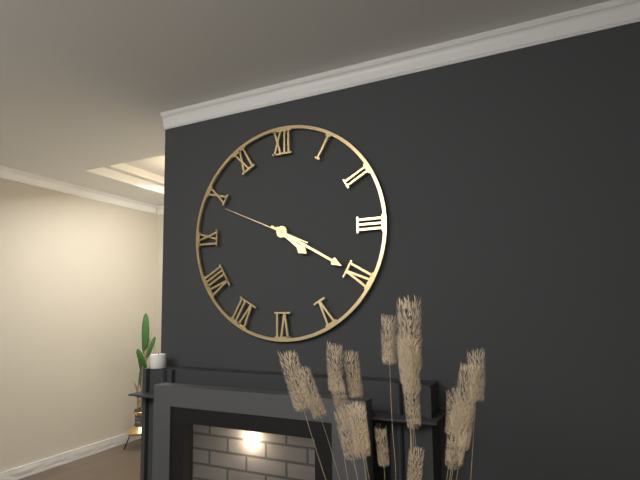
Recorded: 4h20m49s
